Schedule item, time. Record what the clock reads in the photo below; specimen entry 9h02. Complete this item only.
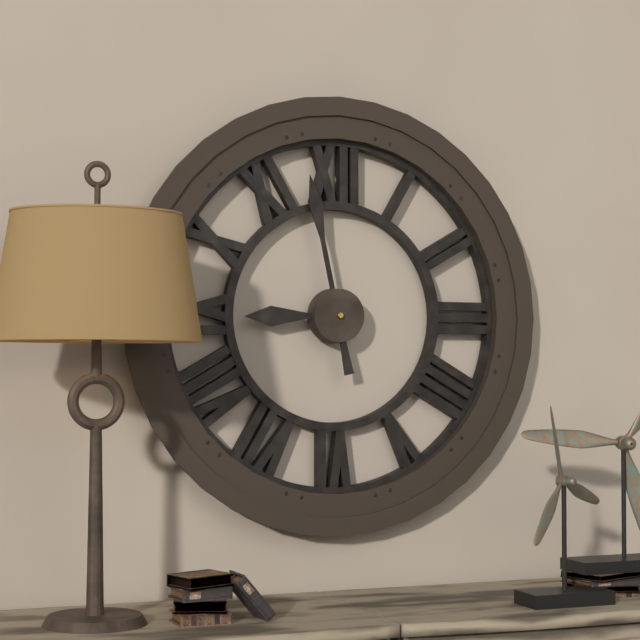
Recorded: 8h58
